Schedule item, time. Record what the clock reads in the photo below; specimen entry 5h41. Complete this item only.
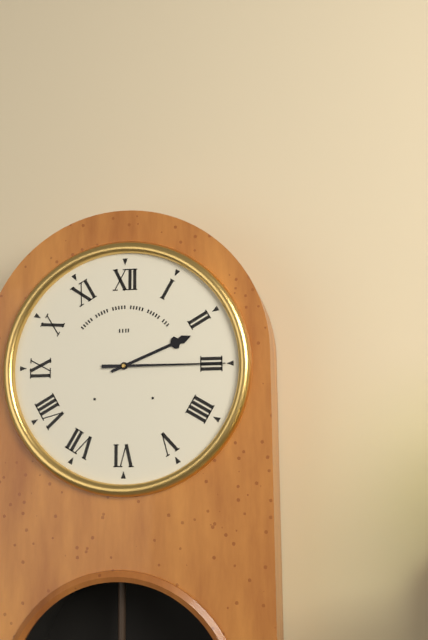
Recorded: 2h15
